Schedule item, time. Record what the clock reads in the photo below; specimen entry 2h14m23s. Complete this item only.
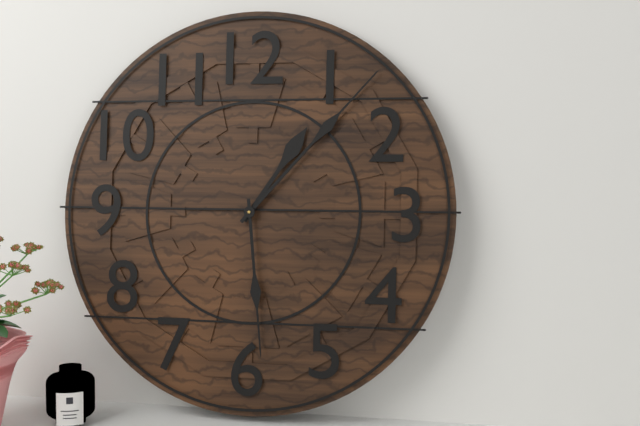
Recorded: 1h07m29s
